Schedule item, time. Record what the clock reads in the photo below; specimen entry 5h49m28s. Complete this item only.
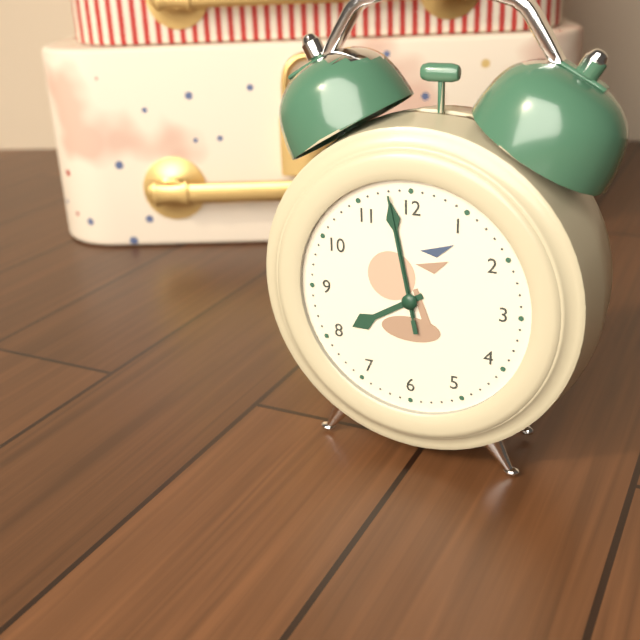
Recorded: 7h58m58s
